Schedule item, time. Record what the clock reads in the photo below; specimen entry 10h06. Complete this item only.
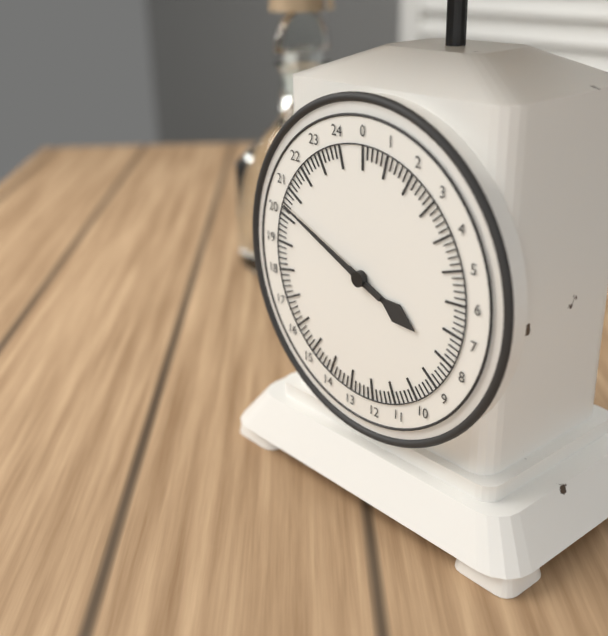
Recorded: 3h49
